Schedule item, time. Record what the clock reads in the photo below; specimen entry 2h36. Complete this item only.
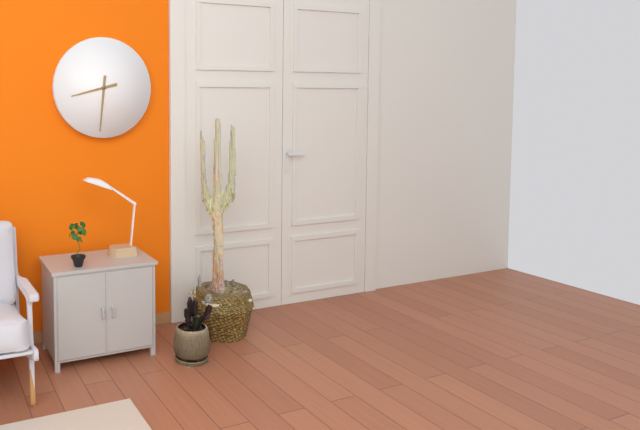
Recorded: 8h31
